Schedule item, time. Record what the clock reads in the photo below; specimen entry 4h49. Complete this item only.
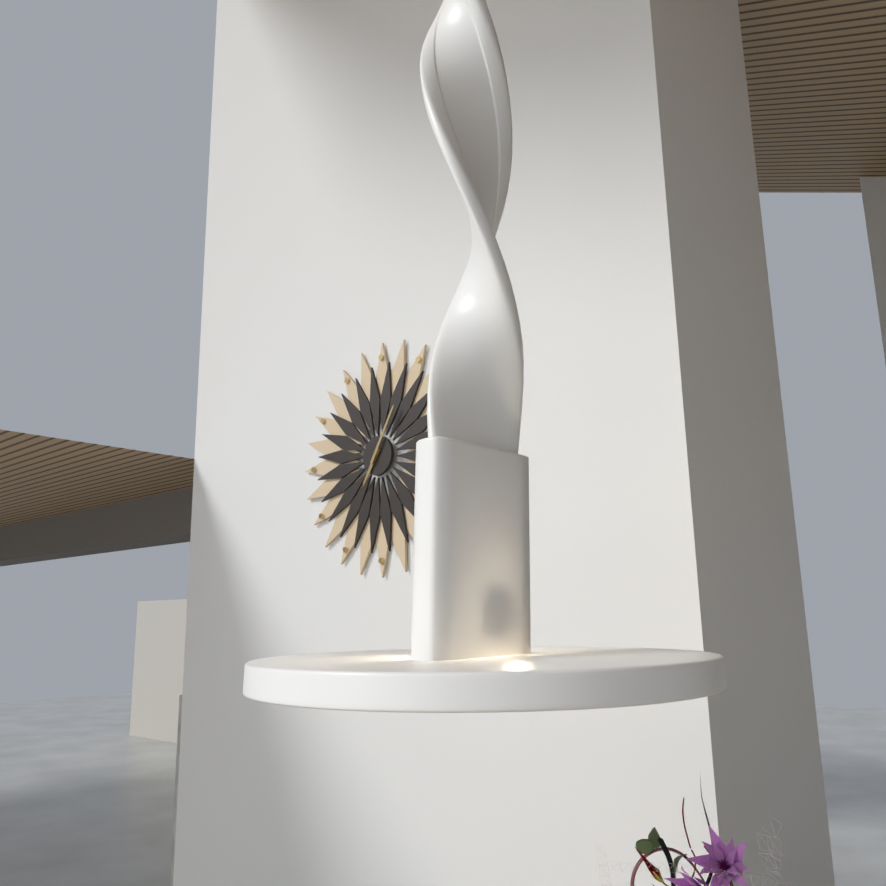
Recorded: 7h05
